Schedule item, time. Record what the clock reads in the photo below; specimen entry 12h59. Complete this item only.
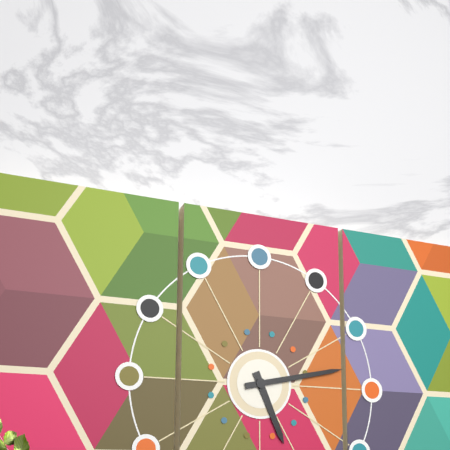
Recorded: 5h13
